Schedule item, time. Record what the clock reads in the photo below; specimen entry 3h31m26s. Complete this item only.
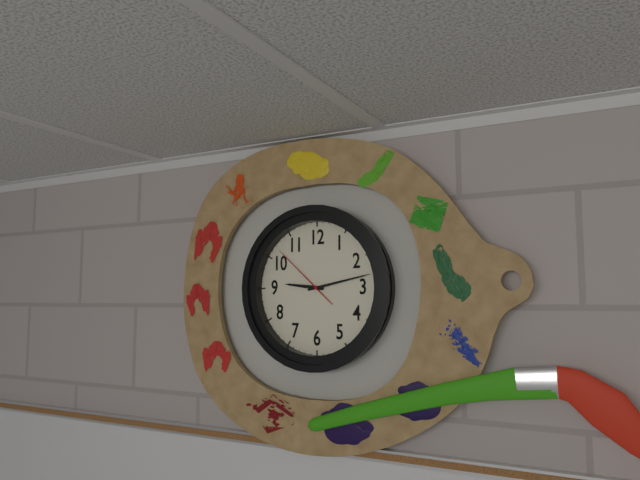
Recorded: 9h13m52s
